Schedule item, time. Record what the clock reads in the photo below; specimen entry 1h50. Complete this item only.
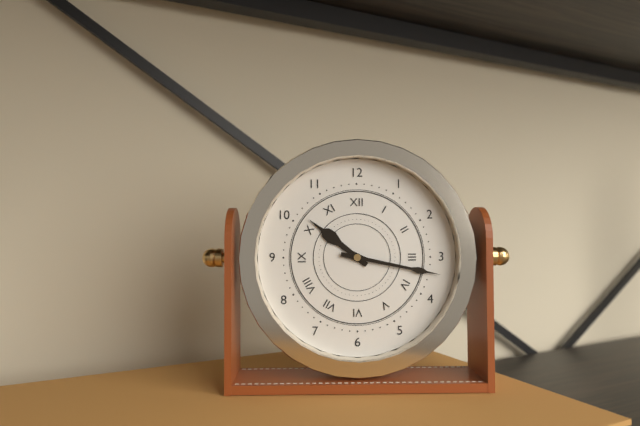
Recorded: 10h17
